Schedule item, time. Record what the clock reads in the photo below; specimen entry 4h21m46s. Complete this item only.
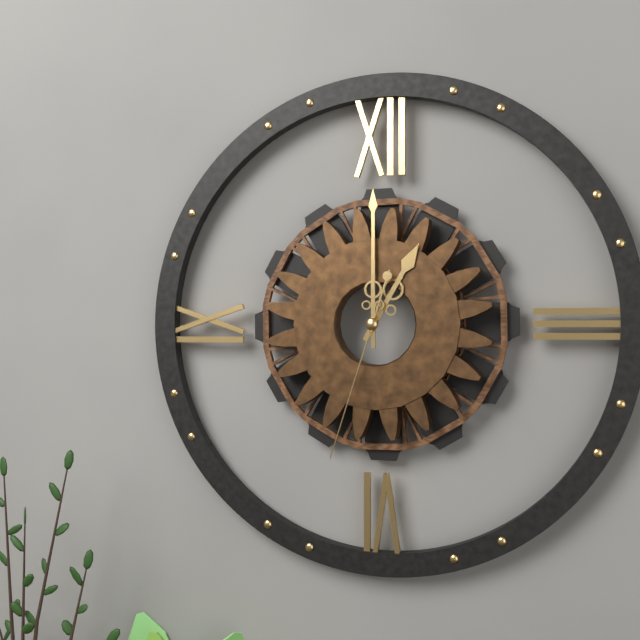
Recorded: 1h00m33s
